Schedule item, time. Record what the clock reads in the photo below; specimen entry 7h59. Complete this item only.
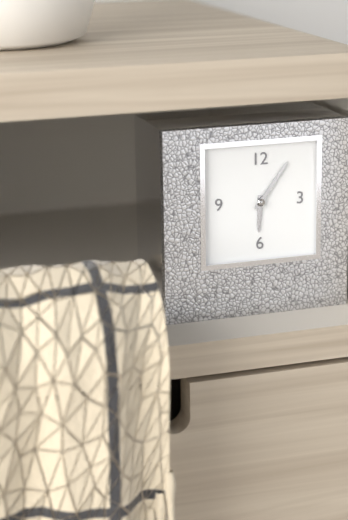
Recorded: 6h06
